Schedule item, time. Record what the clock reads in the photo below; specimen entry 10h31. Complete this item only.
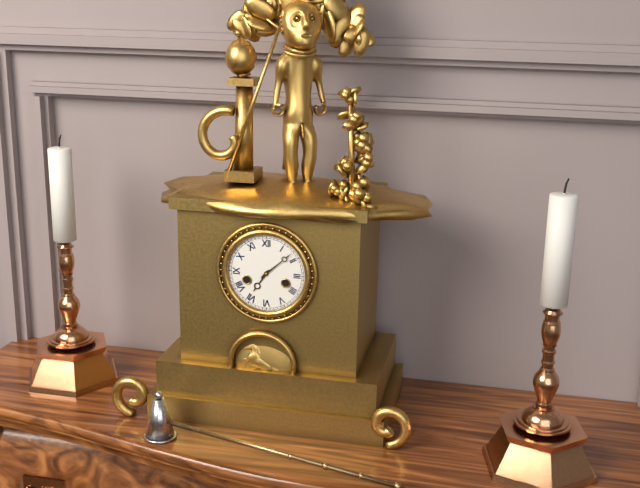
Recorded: 7h08
